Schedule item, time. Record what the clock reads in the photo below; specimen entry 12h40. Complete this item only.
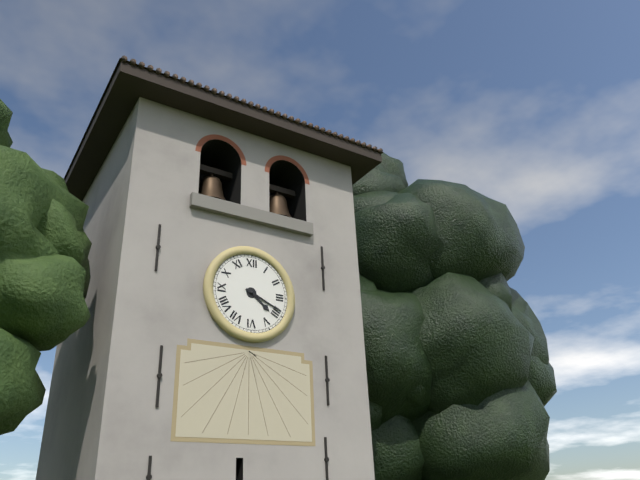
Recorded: 4h19
